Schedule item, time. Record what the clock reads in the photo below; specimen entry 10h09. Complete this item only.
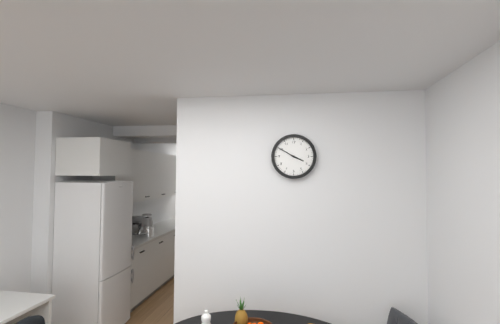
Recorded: 3h50
